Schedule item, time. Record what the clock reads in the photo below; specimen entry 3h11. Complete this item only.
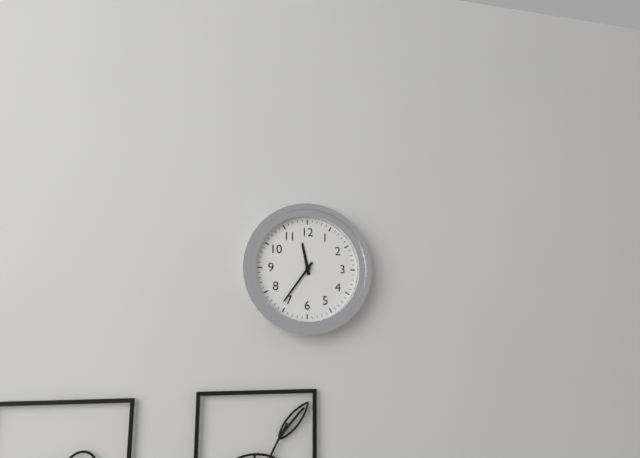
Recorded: 11h36
